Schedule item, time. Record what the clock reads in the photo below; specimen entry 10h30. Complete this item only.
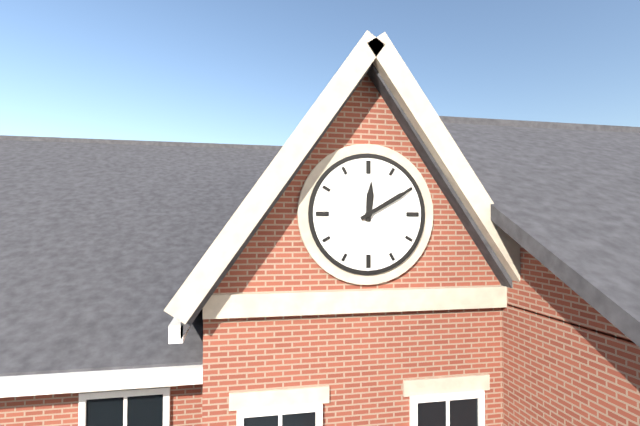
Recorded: 12h10
